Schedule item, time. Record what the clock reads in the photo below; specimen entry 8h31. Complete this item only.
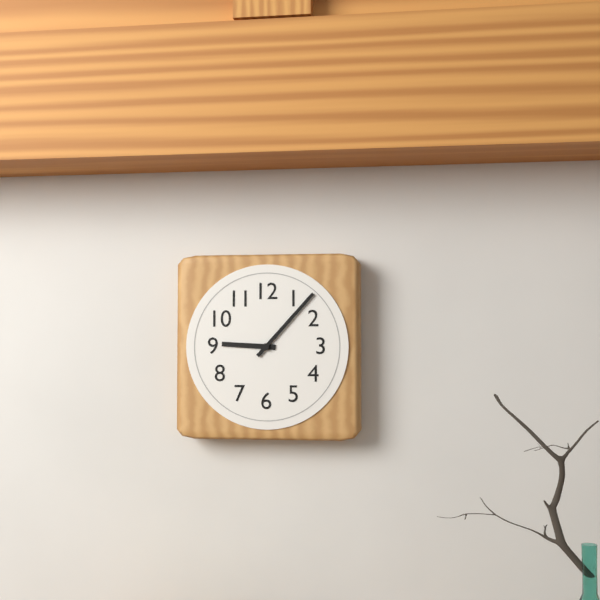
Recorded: 9h07
